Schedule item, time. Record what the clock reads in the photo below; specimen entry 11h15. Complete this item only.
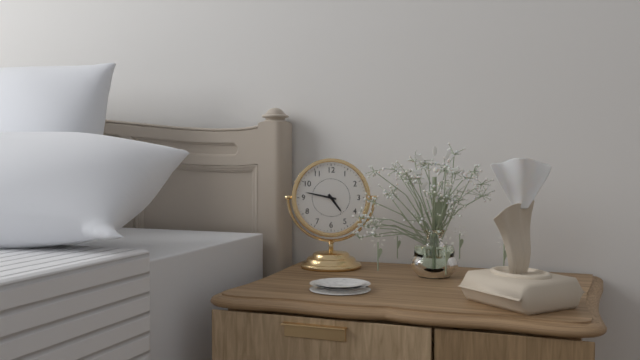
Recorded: 4h47
